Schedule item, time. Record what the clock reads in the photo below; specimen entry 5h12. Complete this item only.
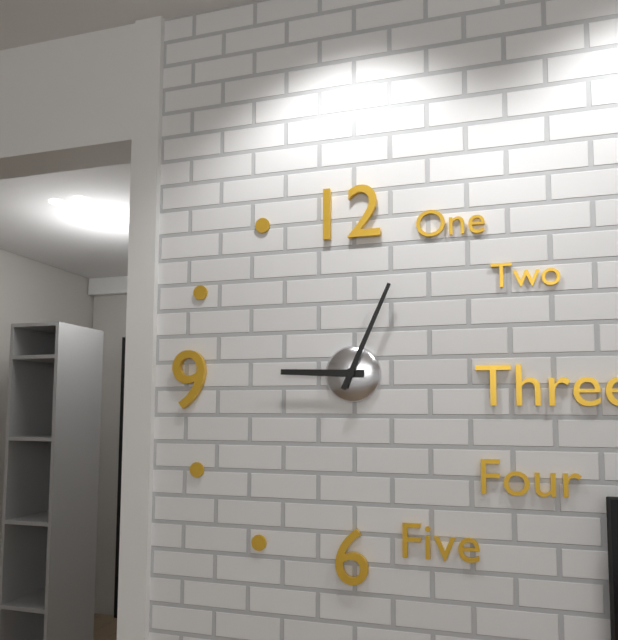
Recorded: 9h04
